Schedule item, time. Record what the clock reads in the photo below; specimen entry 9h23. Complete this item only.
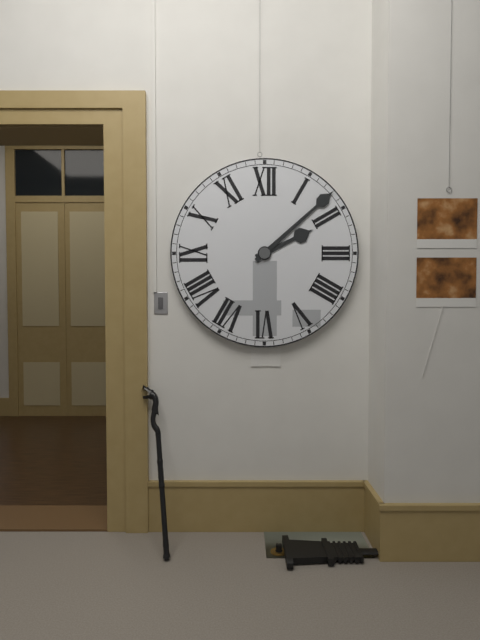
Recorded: 2h08
